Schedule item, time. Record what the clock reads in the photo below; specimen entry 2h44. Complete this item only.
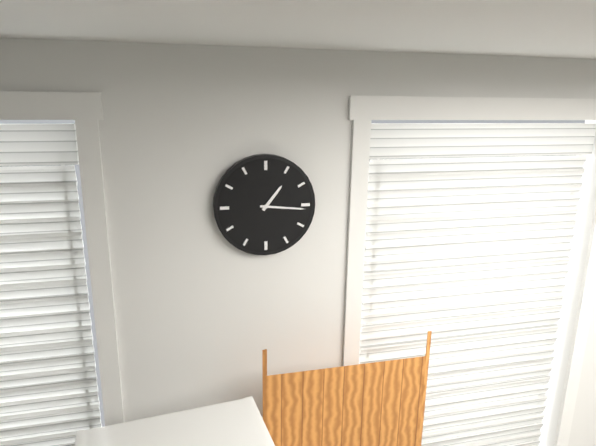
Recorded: 1h16
